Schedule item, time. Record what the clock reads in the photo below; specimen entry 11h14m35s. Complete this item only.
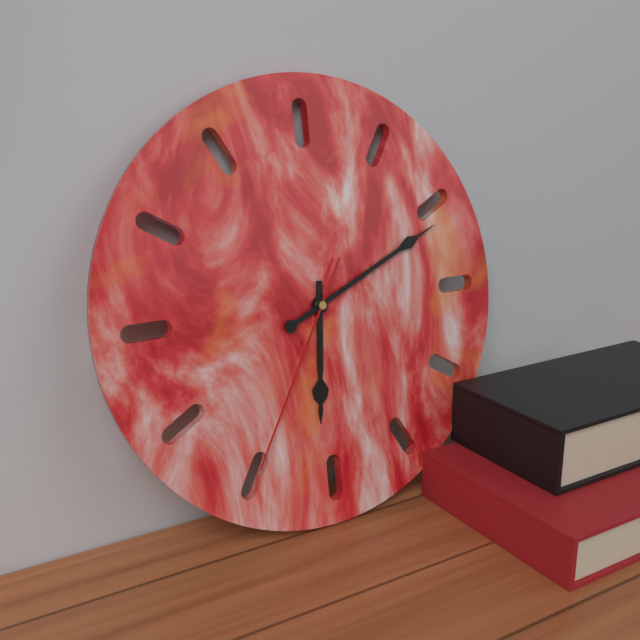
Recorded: 6h11m35s
